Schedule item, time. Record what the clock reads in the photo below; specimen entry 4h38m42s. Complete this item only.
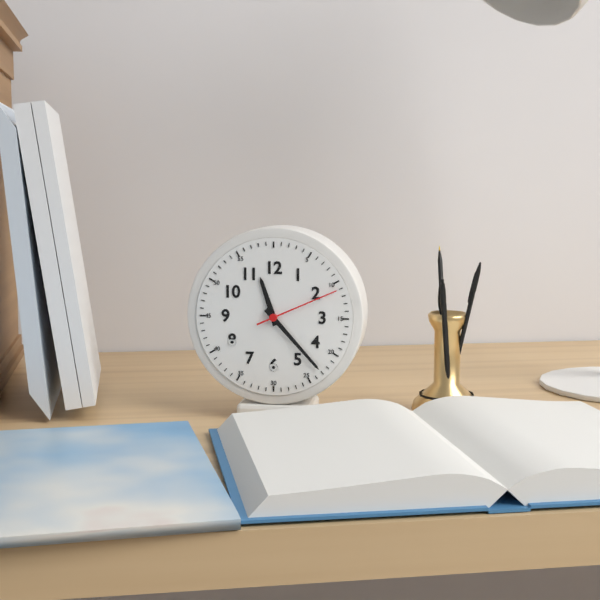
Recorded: 11h23m11s
